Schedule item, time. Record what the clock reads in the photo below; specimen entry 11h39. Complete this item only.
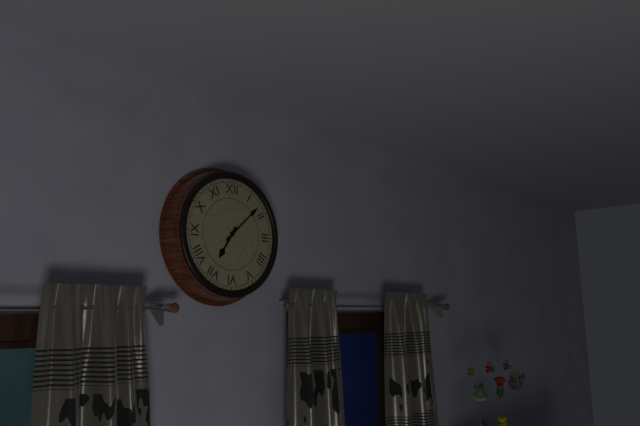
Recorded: 7h08
